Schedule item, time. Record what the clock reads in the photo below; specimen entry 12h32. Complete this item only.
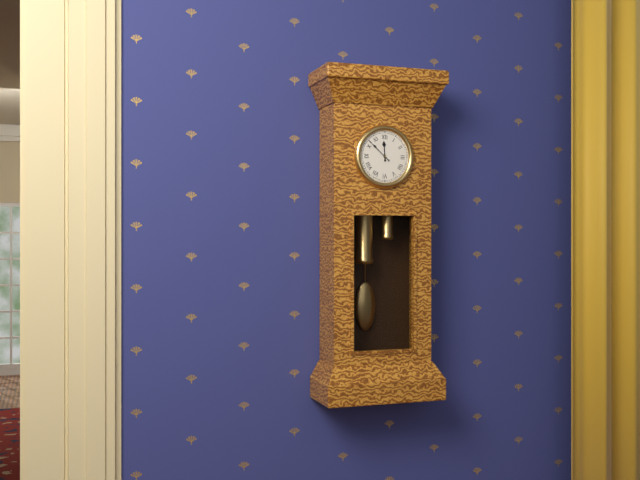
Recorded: 11h52
